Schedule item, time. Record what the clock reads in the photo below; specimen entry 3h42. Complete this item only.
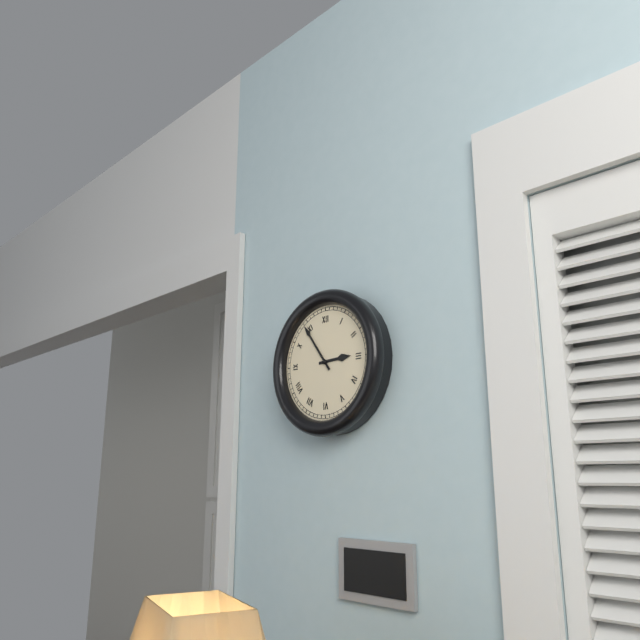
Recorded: 2h54
